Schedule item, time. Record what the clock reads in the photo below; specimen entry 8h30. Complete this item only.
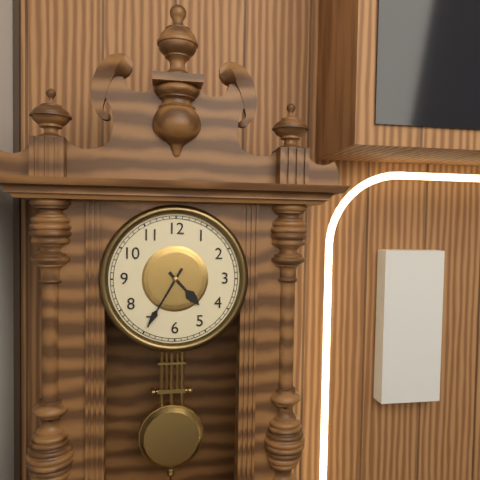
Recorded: 4h35
